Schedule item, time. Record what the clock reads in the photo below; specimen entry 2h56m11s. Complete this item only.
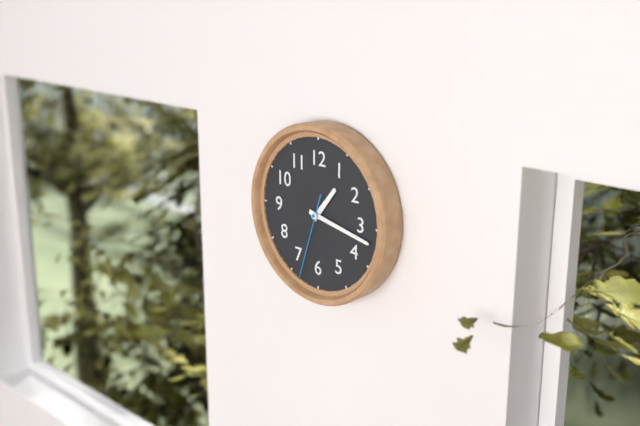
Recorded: 1h17m33s
